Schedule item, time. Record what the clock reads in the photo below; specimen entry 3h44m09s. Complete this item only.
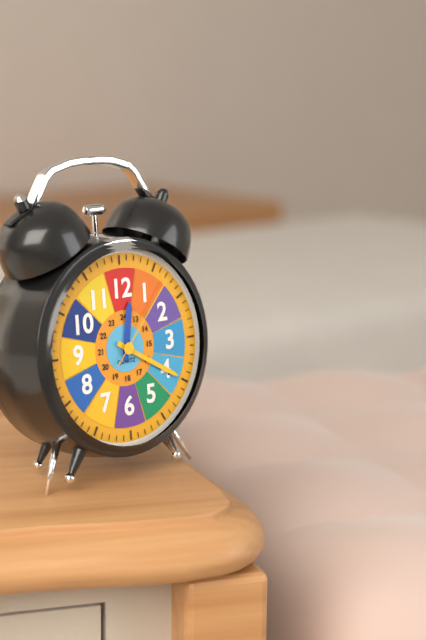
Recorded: 12h20m07s
